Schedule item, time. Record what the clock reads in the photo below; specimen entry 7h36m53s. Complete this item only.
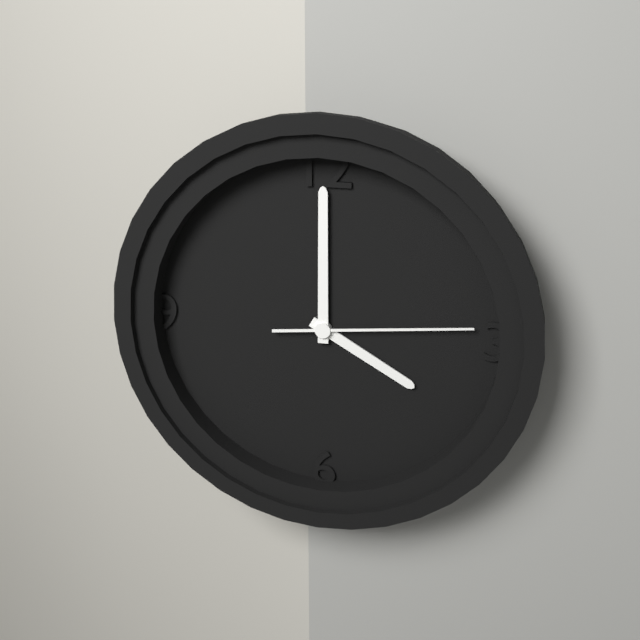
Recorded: 4h00m14s
